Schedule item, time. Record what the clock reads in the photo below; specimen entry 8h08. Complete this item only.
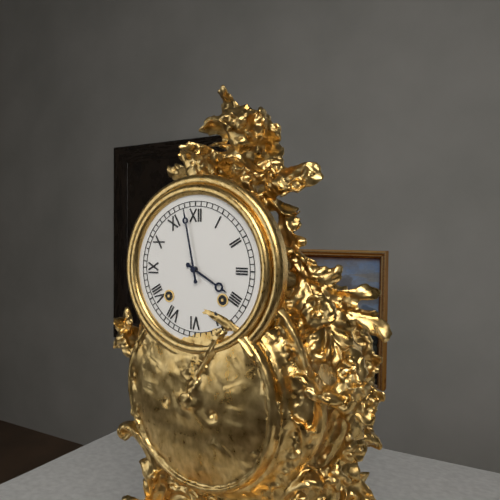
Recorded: 3h58
